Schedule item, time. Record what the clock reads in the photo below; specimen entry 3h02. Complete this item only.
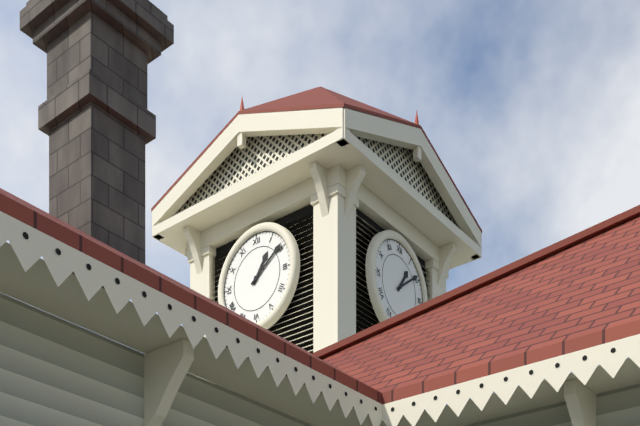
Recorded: 1h09
